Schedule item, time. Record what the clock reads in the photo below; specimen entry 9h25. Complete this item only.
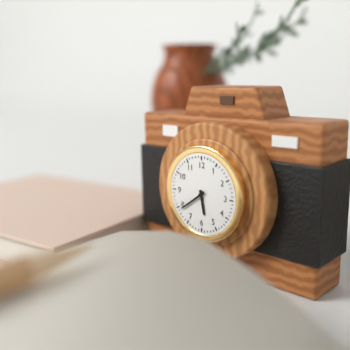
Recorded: 5h39
